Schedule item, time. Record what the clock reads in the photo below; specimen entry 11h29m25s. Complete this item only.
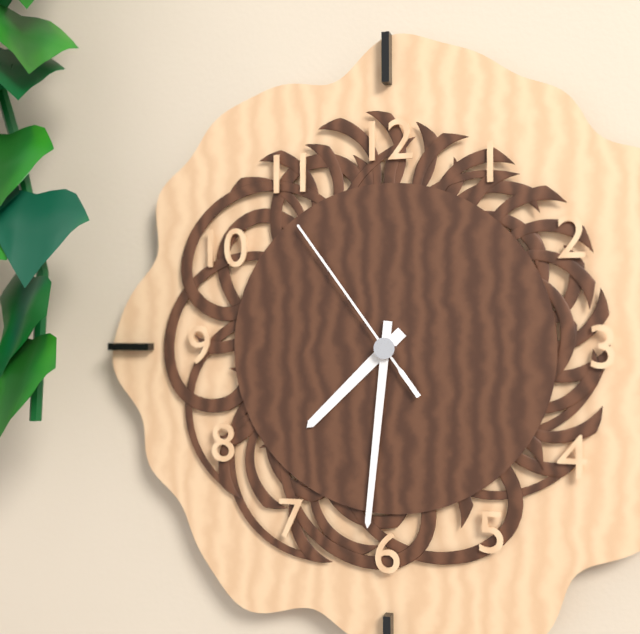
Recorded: 7h31m54s
